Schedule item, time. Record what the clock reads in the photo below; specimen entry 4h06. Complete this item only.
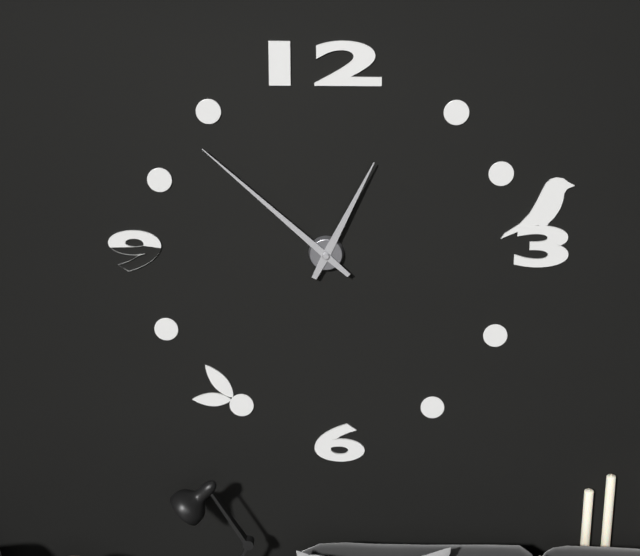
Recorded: 12h52
